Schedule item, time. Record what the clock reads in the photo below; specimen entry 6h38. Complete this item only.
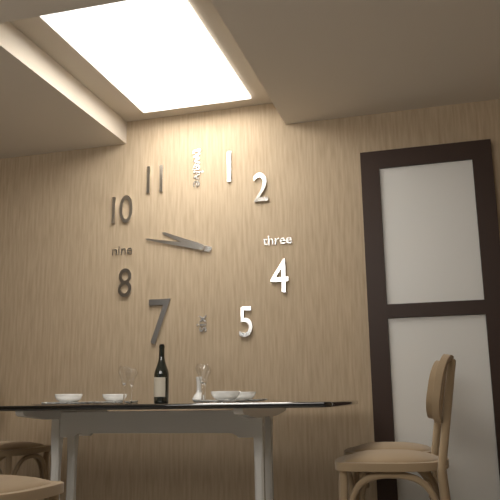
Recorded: 9h47
